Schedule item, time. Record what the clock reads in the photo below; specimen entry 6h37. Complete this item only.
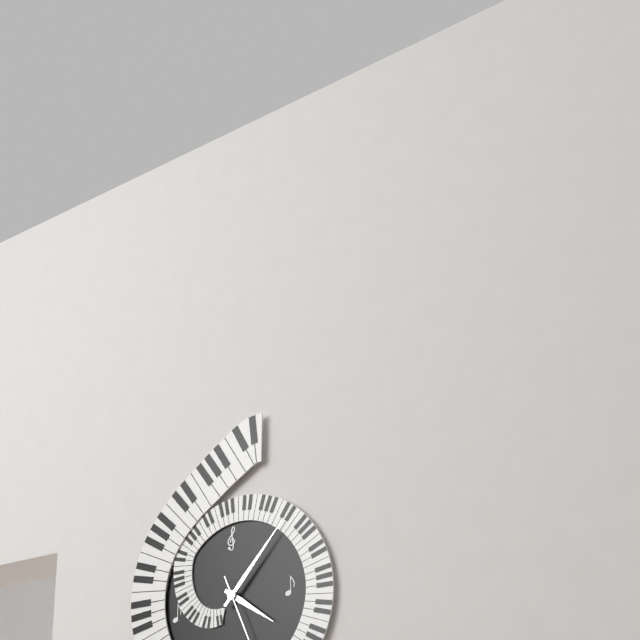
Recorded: 4h07
